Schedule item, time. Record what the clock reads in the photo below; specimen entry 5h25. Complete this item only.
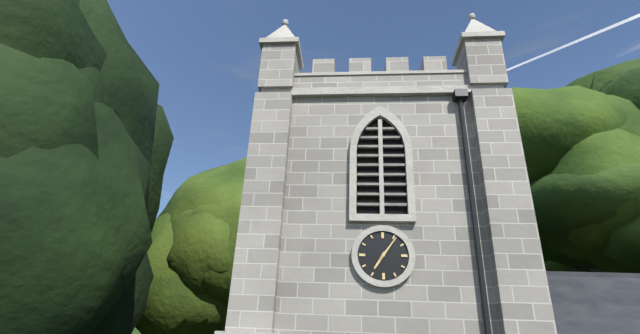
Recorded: 7h06
